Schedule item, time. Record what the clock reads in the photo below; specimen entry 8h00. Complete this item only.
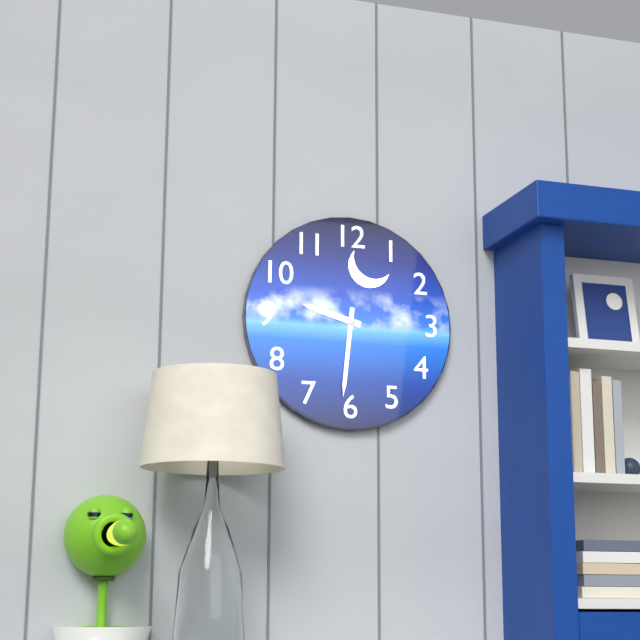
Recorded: 9h31
